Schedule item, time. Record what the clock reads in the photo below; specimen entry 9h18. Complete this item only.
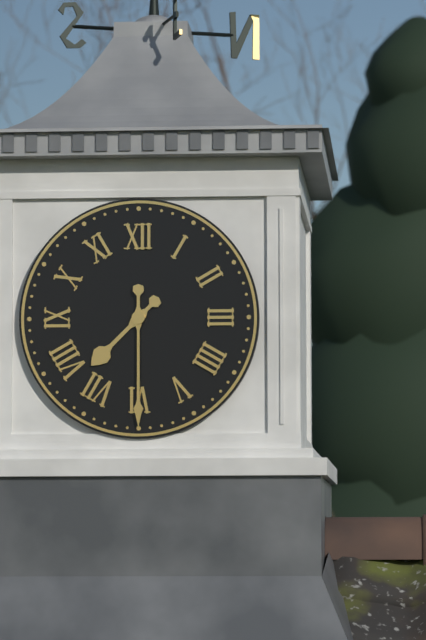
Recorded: 7h30
